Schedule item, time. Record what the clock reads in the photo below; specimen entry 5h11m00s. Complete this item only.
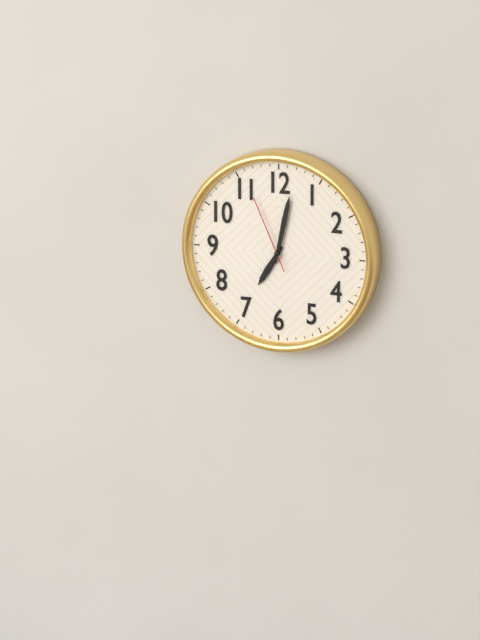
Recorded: 7h02m56s
